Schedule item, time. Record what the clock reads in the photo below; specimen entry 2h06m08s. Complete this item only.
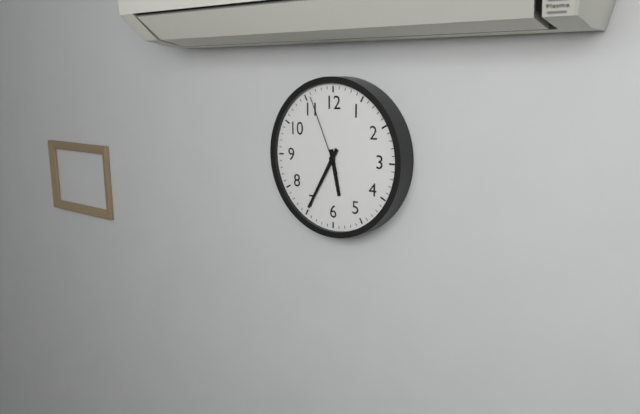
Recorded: 5h35m56s
